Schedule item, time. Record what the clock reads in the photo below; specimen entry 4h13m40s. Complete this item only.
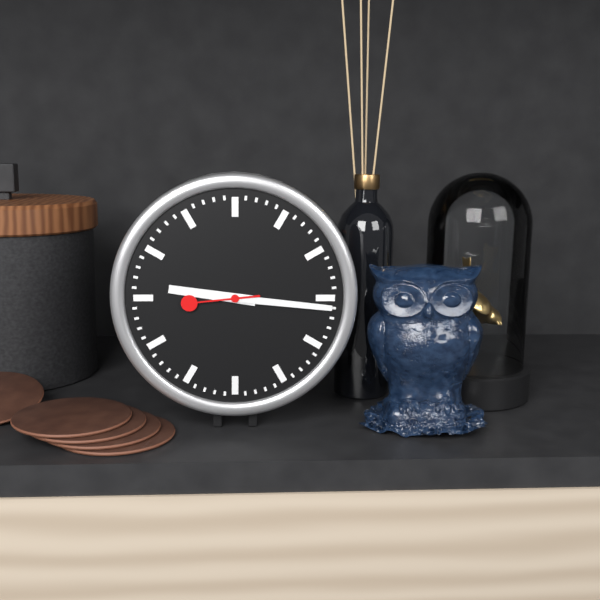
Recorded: 9h16m44s
